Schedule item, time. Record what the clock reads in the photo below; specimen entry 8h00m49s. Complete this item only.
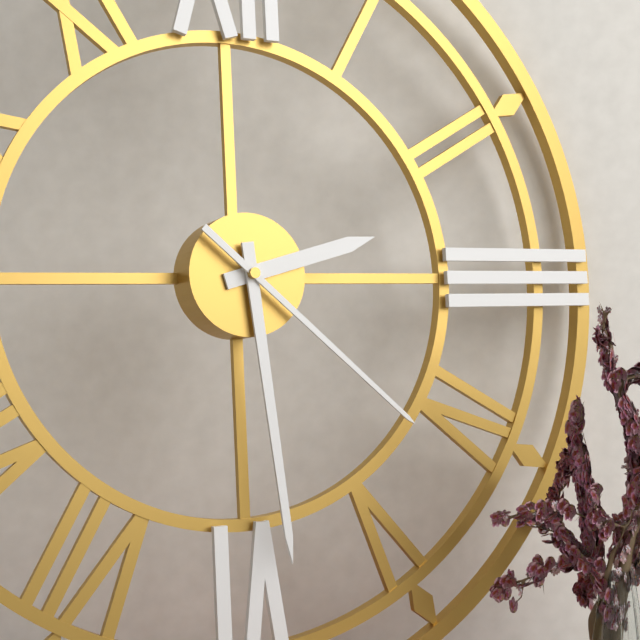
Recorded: 2h29m22s
